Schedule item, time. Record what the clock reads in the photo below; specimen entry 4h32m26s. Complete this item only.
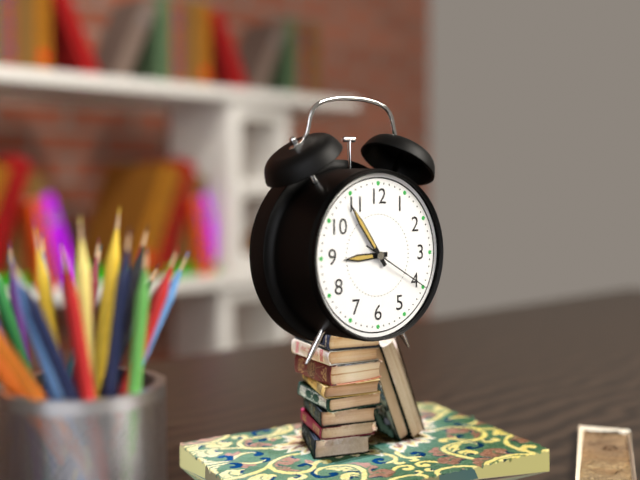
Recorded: 8h54m20s
